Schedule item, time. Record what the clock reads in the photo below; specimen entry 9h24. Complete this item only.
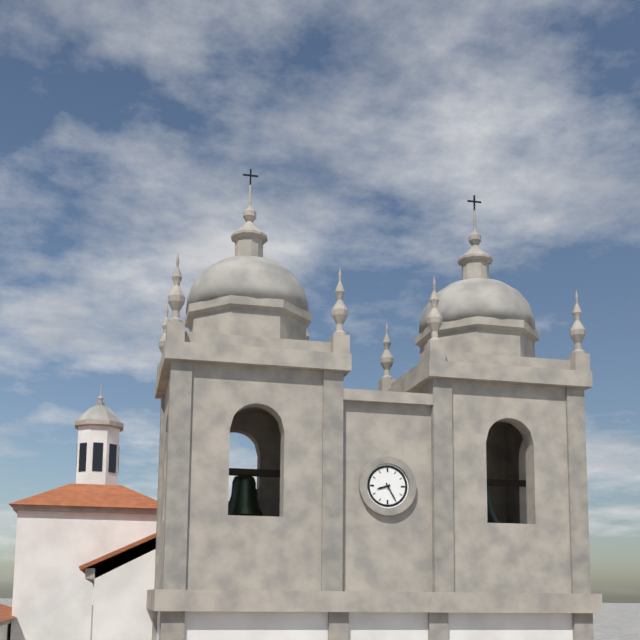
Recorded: 8h25
